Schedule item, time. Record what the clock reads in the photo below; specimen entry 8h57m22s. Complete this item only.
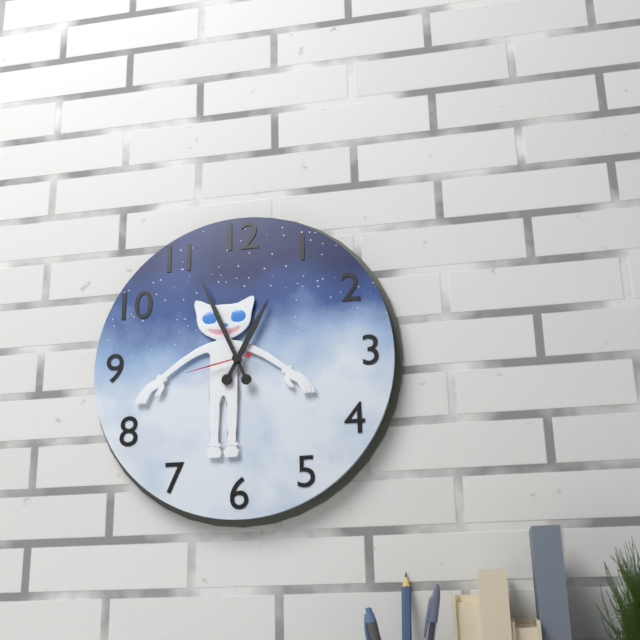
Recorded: 12h56m43s
